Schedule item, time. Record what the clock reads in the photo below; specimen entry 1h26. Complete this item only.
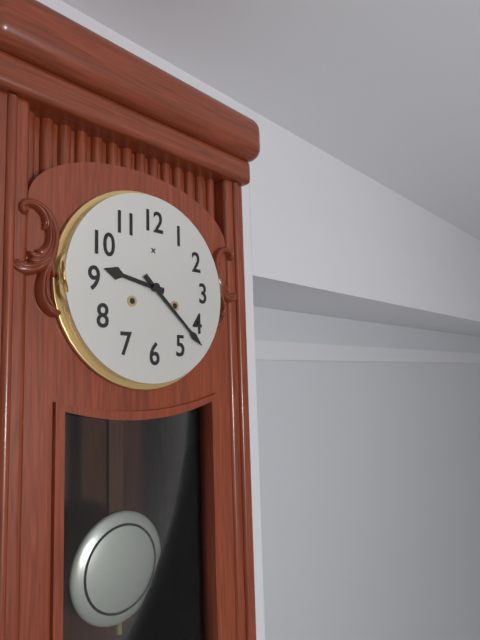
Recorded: 9h22
